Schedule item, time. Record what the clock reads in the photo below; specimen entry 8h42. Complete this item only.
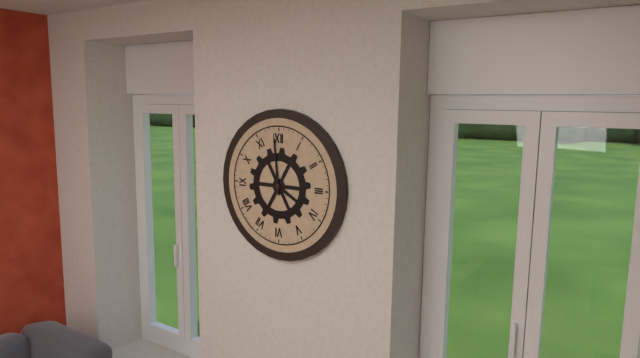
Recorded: 3h59
